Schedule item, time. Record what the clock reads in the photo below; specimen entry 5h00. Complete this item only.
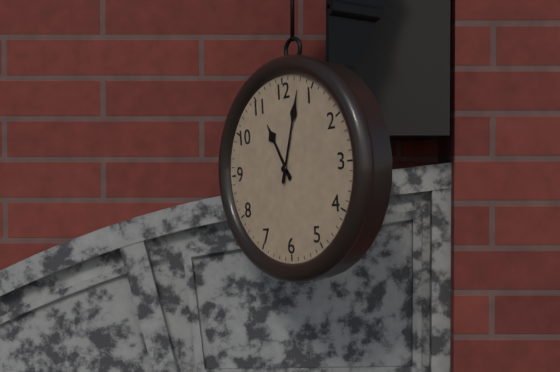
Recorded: 11h03
